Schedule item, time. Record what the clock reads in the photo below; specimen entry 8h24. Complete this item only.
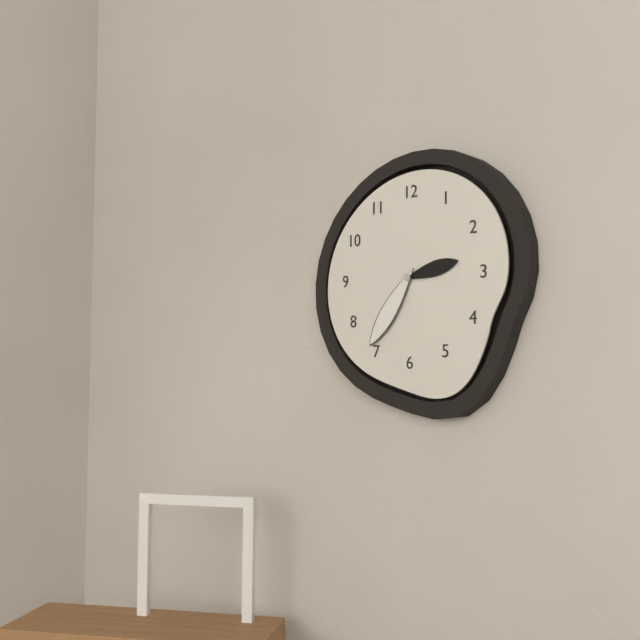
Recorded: 2h36
